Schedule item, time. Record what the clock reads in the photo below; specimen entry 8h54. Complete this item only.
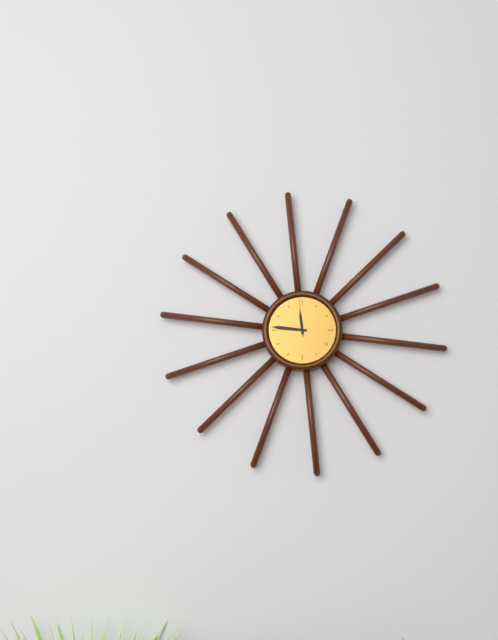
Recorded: 11h46
